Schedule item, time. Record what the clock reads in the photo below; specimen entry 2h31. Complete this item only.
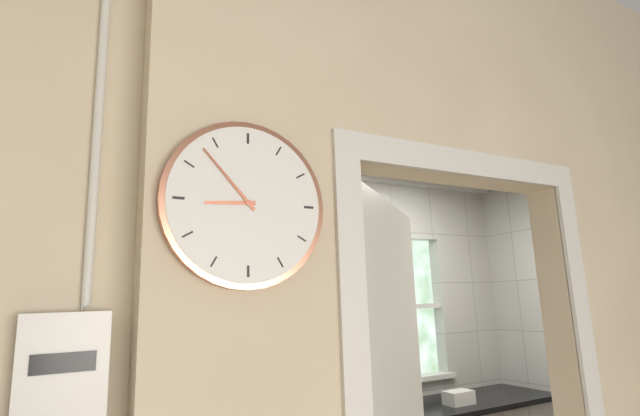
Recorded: 8h53
